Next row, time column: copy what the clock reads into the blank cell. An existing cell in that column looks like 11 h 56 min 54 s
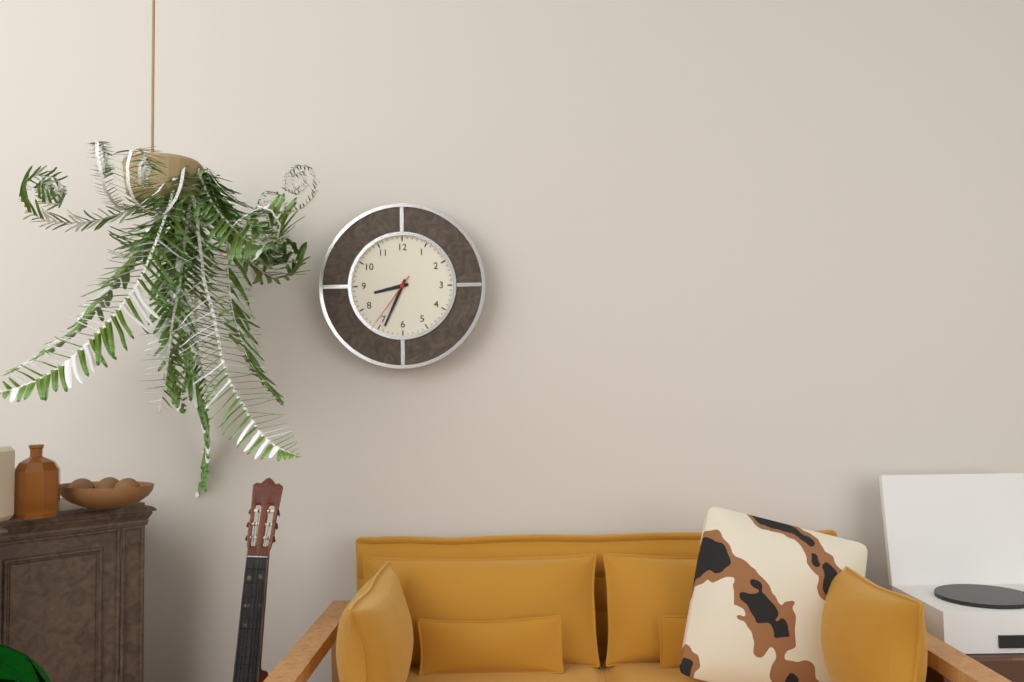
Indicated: 8 h 34 min 36 s
